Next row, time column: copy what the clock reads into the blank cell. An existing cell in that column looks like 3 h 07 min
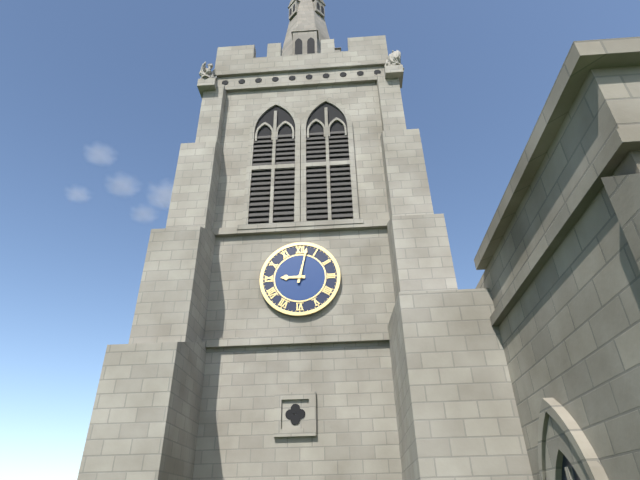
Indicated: 9 h 02 min
